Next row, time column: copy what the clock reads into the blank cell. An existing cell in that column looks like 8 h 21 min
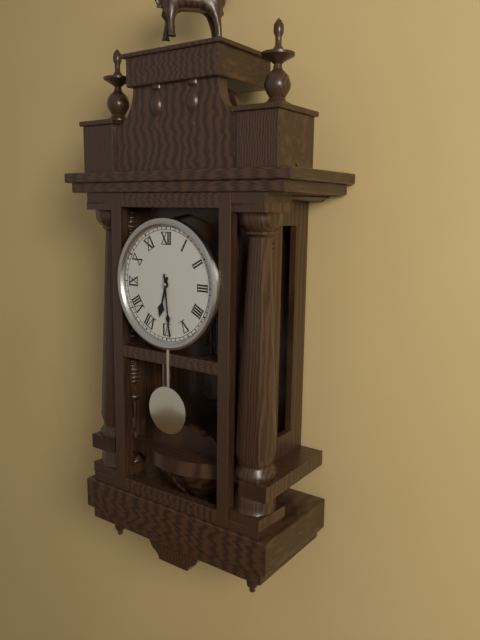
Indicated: 6 h 29 min
